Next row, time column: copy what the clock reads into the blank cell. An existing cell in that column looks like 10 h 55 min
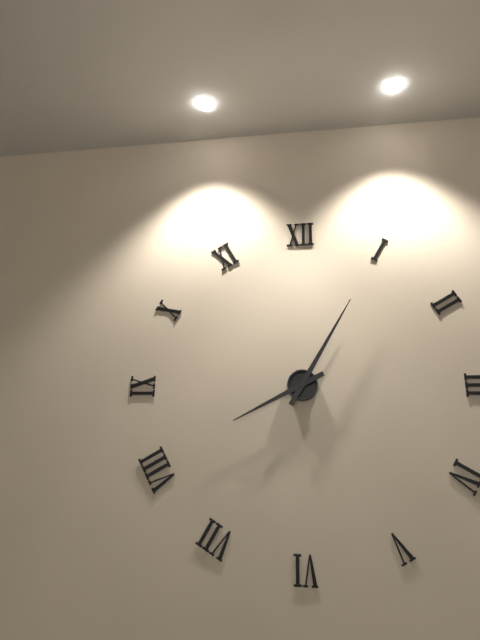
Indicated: 8 h 05 min
